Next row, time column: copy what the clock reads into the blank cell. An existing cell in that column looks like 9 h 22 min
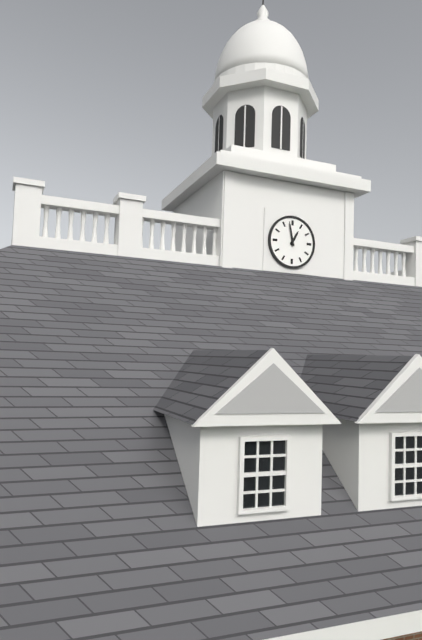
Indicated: 12 h 58 min
